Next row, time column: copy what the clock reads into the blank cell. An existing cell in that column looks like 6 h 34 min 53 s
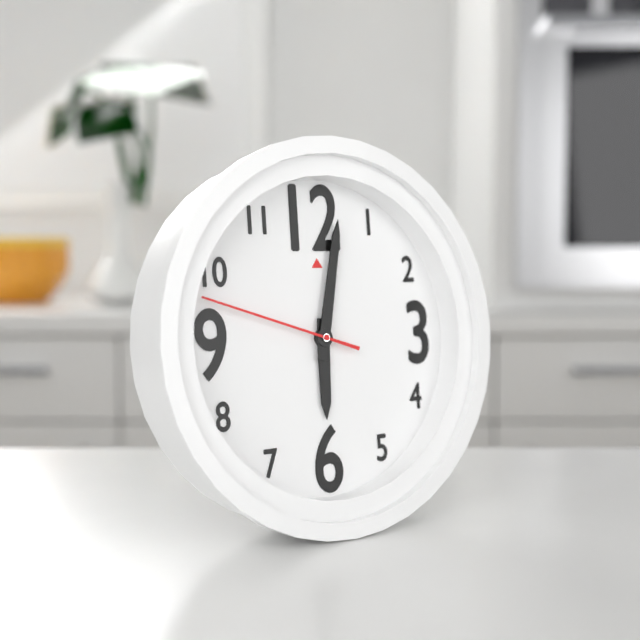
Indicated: 6 h 02 min 48 s
